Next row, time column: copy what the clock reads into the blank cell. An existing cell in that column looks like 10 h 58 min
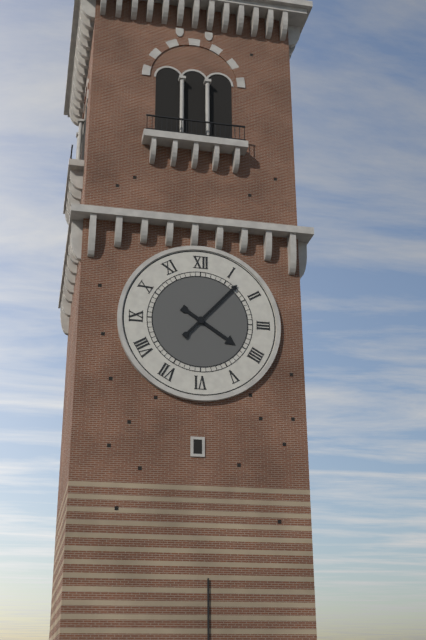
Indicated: 4 h 07 min
